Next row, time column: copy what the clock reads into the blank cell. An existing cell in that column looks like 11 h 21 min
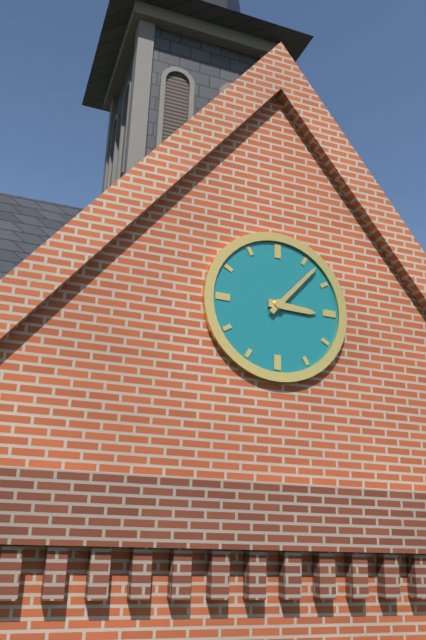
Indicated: 3 h 07 min
